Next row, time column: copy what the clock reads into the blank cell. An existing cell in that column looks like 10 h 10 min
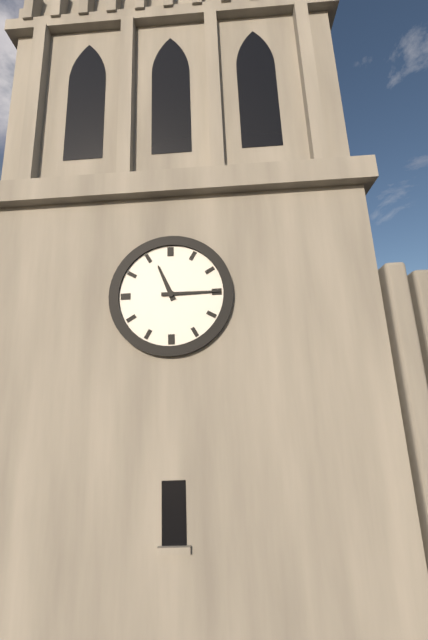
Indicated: 11 h 15 min
